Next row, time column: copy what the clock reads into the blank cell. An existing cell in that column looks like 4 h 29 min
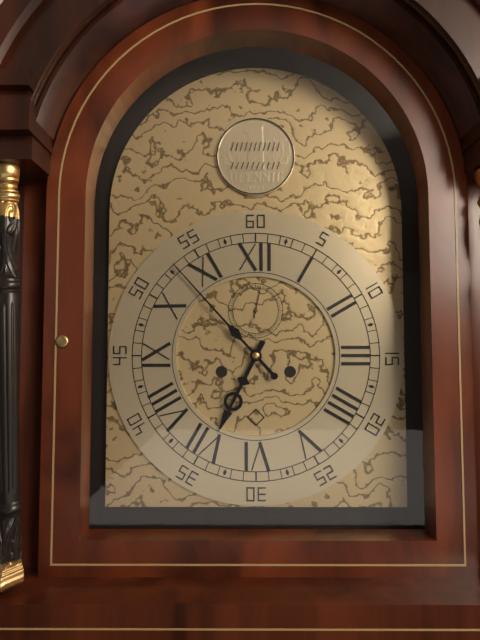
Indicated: 6 h 53 min
